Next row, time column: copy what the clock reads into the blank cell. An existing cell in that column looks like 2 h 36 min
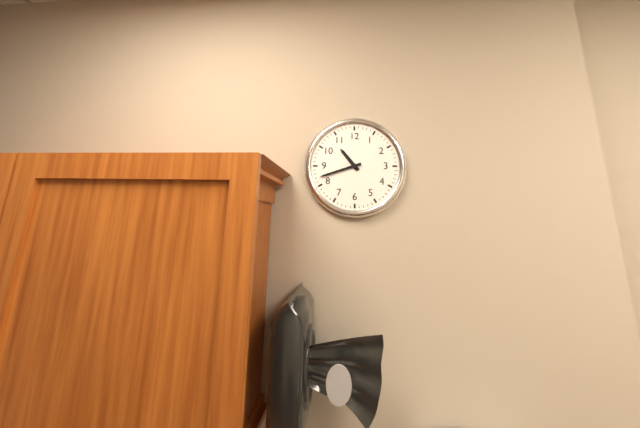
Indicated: 10 h 42 min
